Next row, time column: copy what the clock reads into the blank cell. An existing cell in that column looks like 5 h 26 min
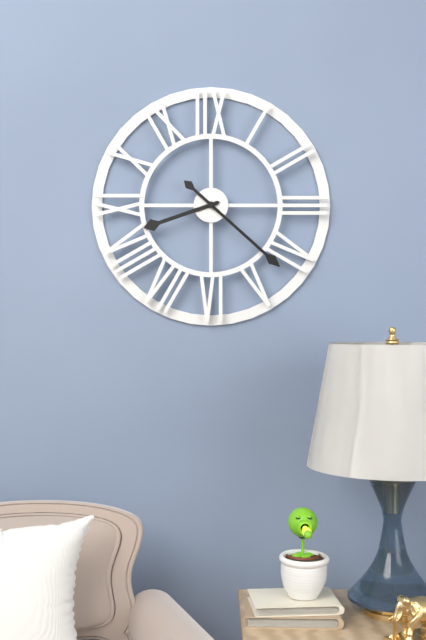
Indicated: 8 h 22 min
